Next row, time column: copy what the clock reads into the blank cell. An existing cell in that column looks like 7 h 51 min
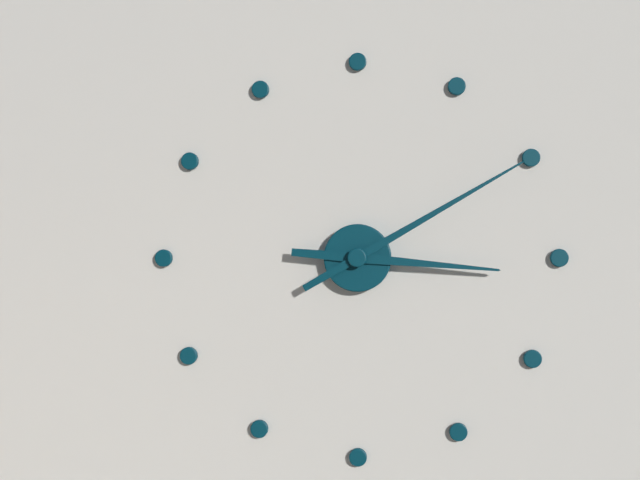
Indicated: 3 h 10 min
